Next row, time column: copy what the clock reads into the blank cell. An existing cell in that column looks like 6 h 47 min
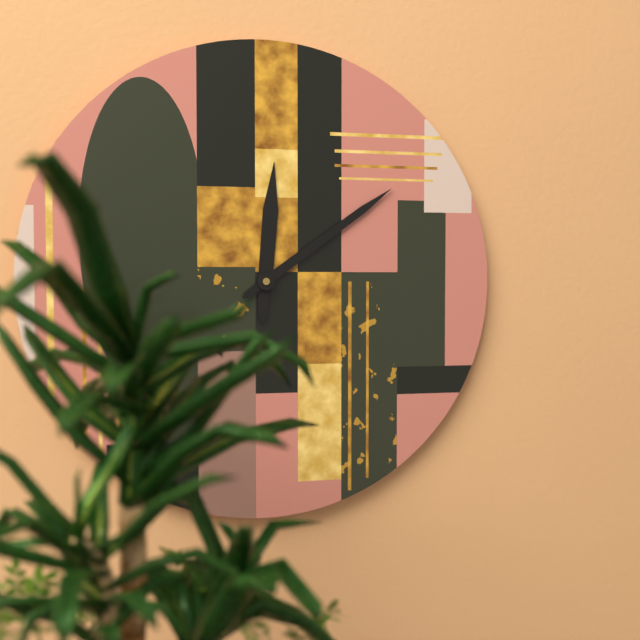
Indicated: 12 h 09 min
